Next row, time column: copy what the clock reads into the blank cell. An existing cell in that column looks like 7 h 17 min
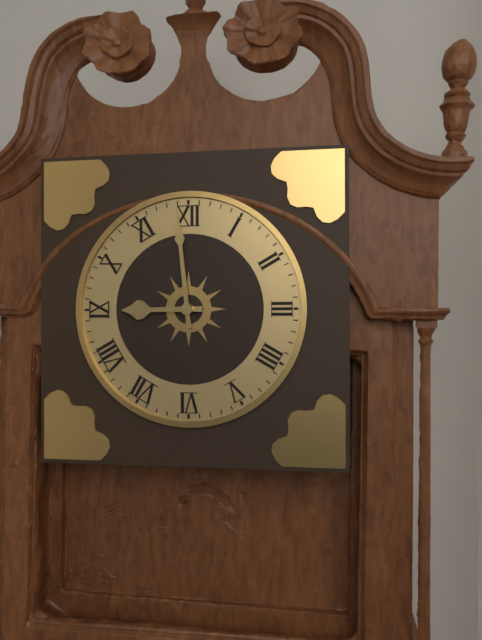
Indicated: 8 h 59 min
